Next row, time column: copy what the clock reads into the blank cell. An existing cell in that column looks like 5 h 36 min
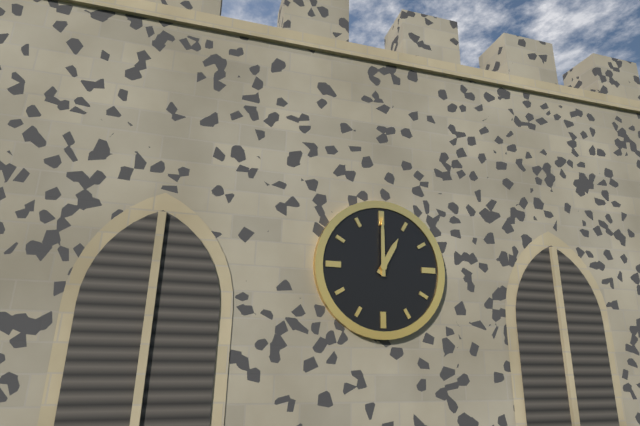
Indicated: 1 h 00 min
